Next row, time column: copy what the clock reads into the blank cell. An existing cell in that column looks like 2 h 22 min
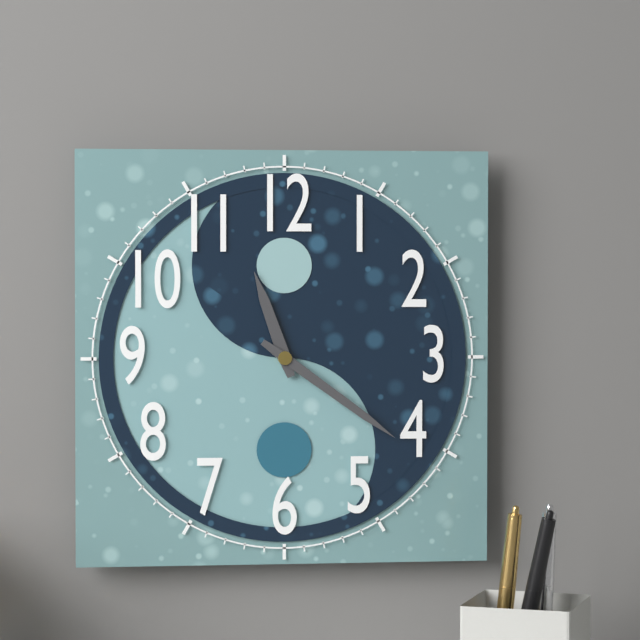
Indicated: 11 h 21 min
